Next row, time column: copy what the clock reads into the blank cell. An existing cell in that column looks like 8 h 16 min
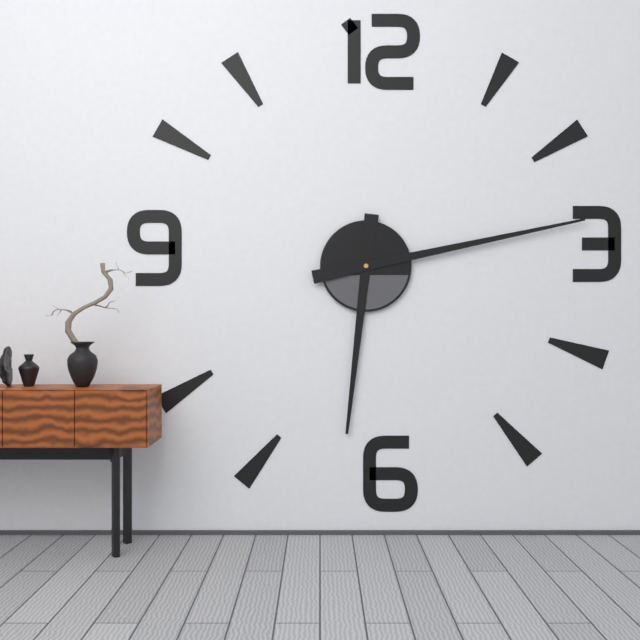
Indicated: 6 h 13 min
